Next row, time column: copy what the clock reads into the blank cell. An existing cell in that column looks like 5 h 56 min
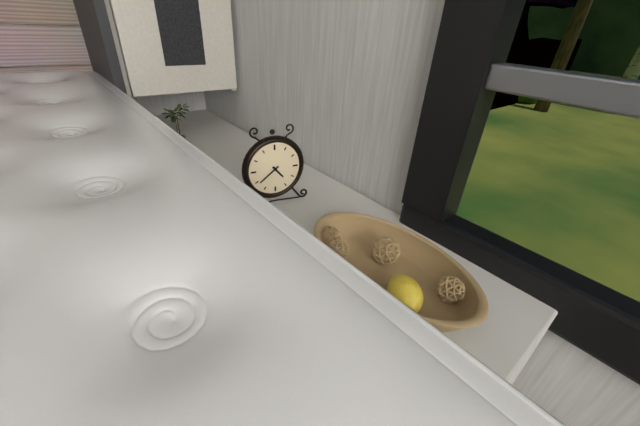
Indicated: 4 h 39 min
